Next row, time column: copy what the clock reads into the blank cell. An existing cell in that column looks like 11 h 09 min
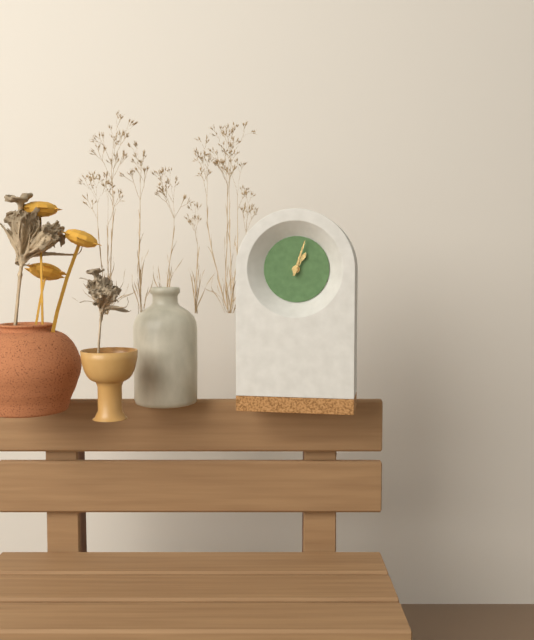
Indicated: 1 h 03 min
